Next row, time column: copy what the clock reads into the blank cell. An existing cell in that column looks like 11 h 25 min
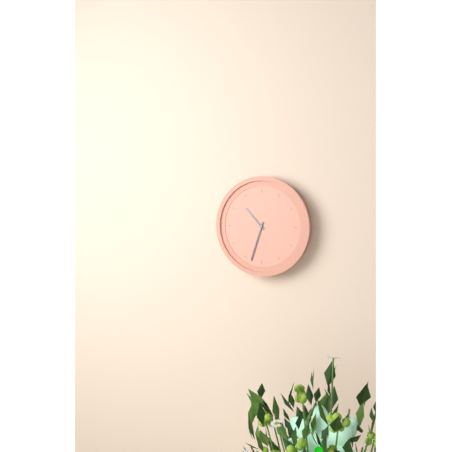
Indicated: 10 h 33 min
